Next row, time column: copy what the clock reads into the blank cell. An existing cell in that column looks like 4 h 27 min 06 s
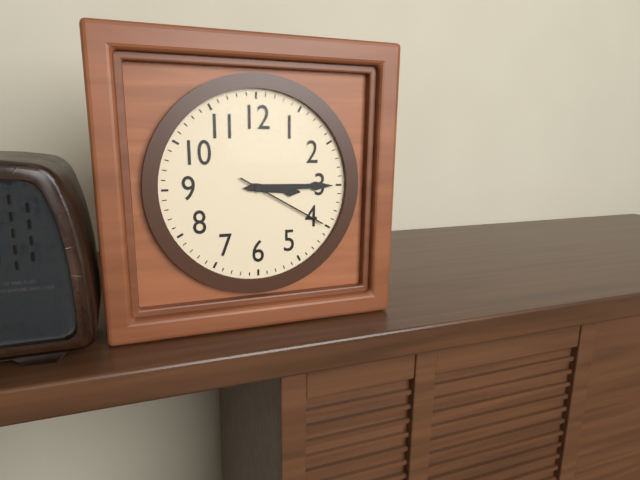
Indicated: 3 h 15 min 20 s
